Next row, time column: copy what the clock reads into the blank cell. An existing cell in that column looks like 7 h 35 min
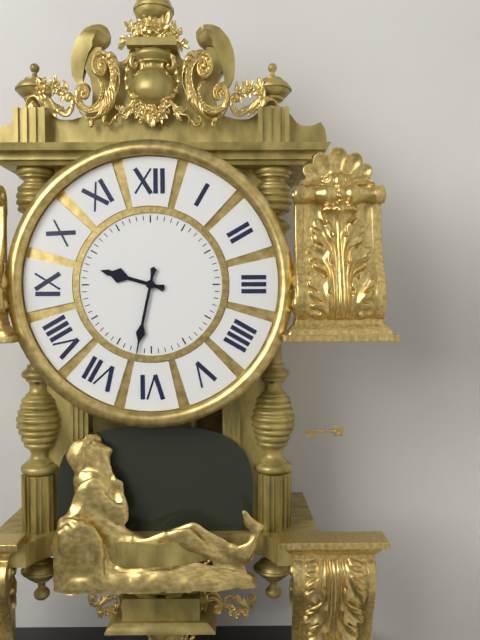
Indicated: 9 h 32 min
